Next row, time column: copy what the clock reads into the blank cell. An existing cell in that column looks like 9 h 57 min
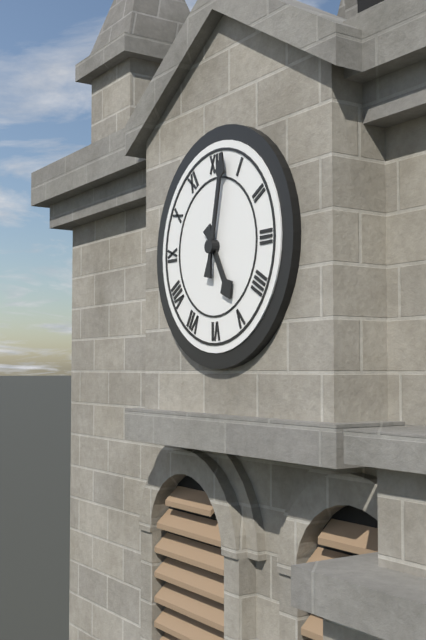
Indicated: 5 h 02 min
